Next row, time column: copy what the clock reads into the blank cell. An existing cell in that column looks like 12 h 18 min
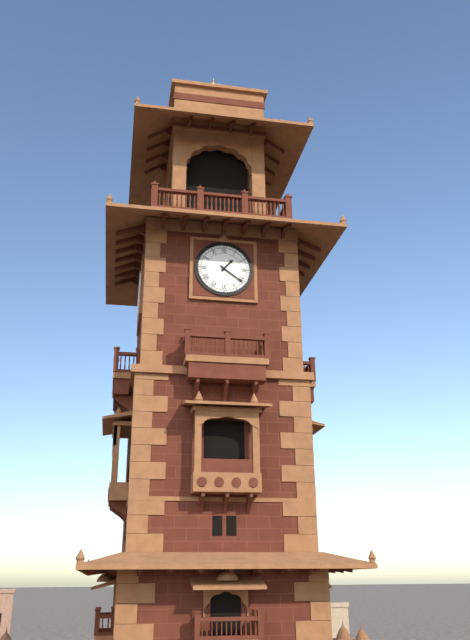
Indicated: 1 h 21 min
